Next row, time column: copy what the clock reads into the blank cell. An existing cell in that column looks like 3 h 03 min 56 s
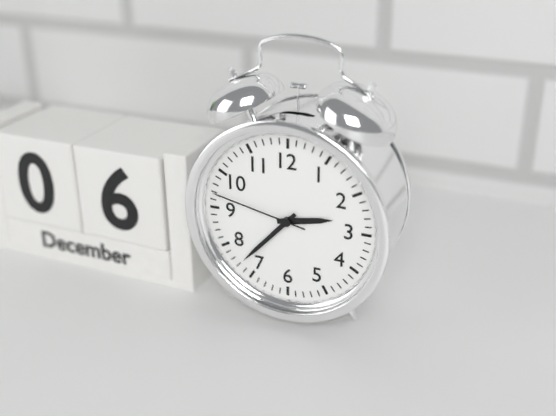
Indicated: 2 h 37 min 47 s
